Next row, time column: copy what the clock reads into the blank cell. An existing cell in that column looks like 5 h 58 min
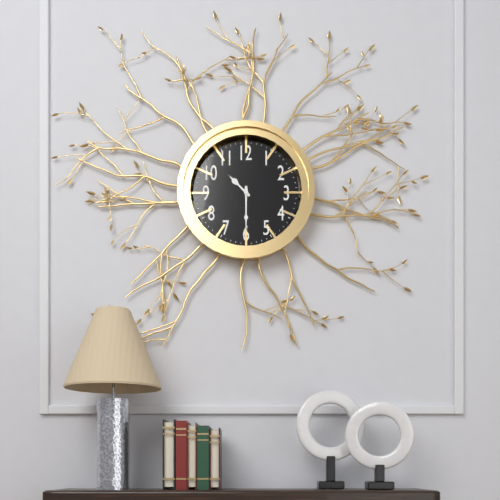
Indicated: 10 h 30 min
